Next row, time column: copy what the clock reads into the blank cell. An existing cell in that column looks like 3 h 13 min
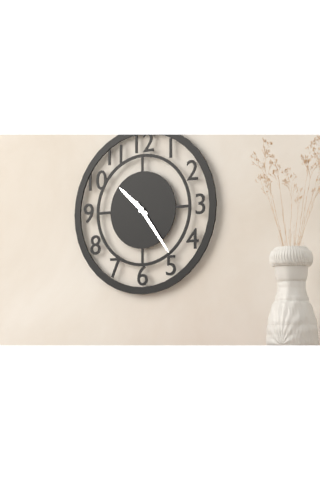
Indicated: 10 h 24 min
